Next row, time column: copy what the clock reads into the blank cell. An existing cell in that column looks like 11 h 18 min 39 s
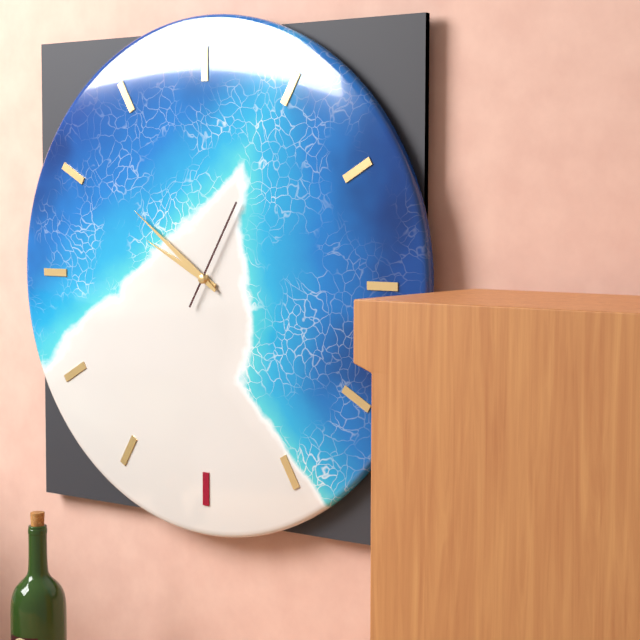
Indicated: 9 h 51 min 05 s
